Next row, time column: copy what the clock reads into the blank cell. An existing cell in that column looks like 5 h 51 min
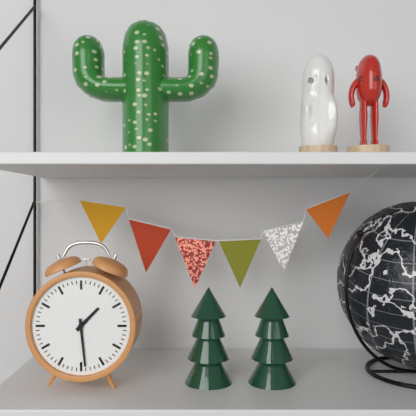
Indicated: 1 h 29 min
